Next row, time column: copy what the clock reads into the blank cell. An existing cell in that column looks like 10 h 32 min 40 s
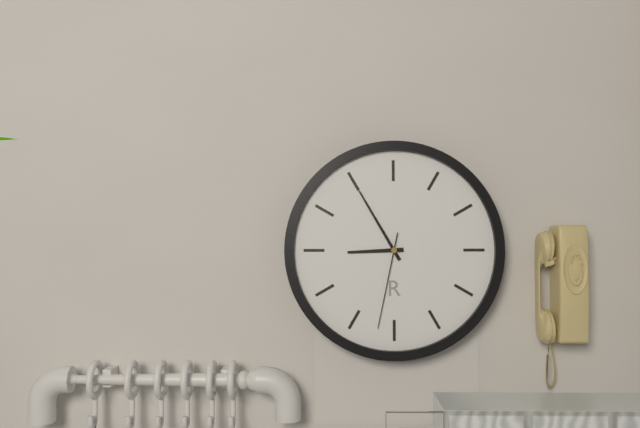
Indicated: 8 h 55 min 32 s
